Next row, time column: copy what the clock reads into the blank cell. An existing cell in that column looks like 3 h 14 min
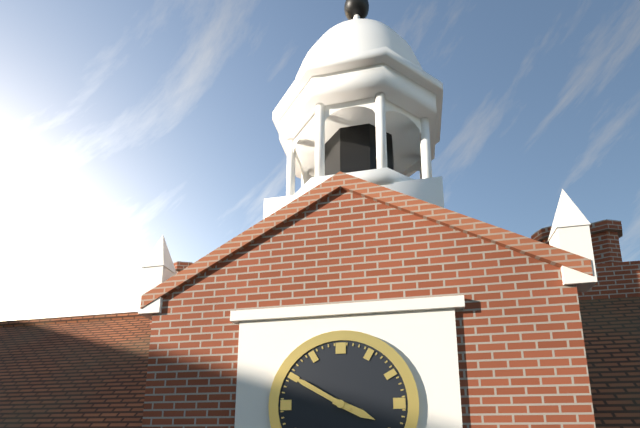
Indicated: 3 h 50 min
